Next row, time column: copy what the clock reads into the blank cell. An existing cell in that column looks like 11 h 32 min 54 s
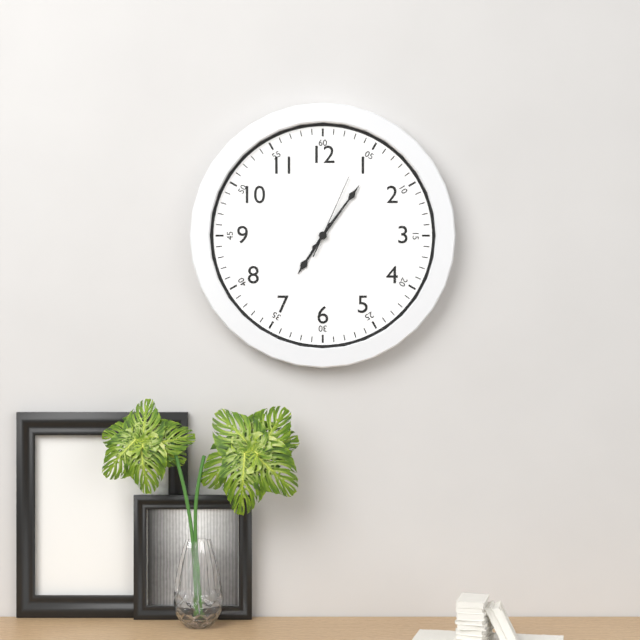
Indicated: 7 h 06 min 04 s
